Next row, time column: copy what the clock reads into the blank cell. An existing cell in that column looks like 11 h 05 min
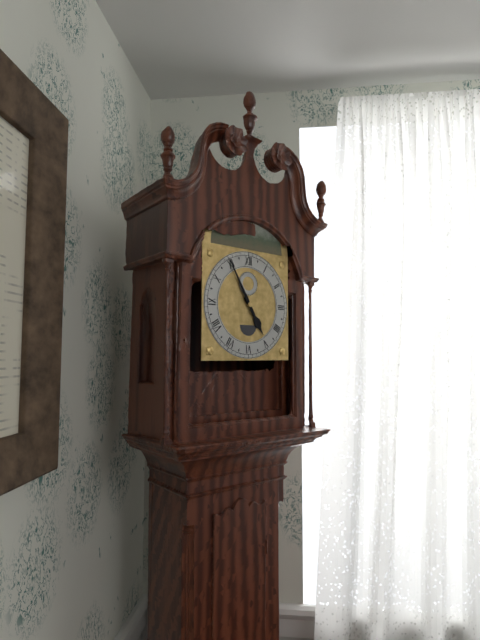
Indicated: 4 h 55 min
